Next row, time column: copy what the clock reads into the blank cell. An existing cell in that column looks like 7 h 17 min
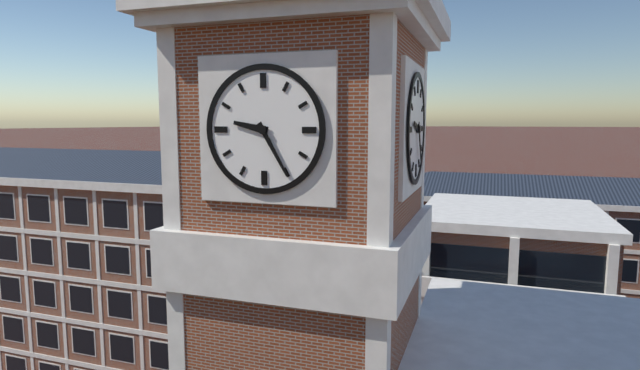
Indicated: 9 h 25 min
